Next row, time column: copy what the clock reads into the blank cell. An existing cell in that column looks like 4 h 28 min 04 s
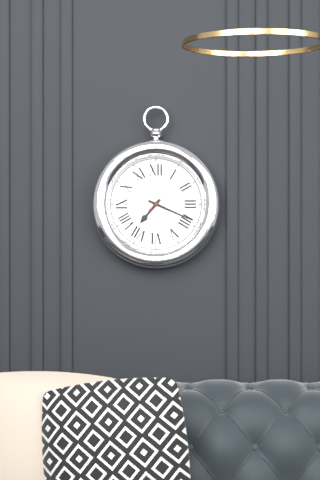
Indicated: 7 h 19 min 08 s
